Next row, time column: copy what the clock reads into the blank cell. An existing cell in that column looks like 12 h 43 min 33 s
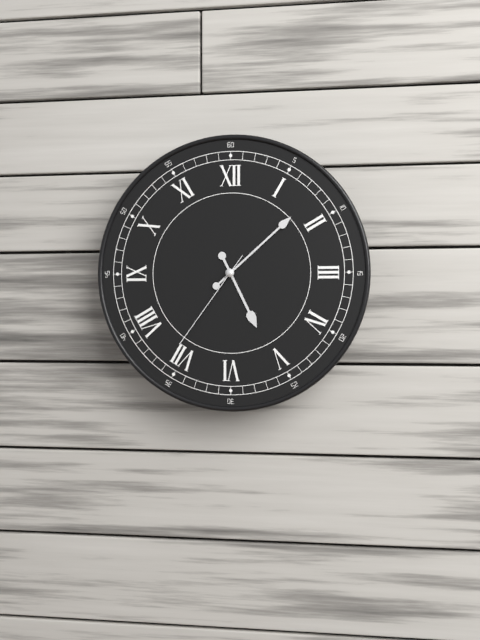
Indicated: 5 h 08 min 36 s
